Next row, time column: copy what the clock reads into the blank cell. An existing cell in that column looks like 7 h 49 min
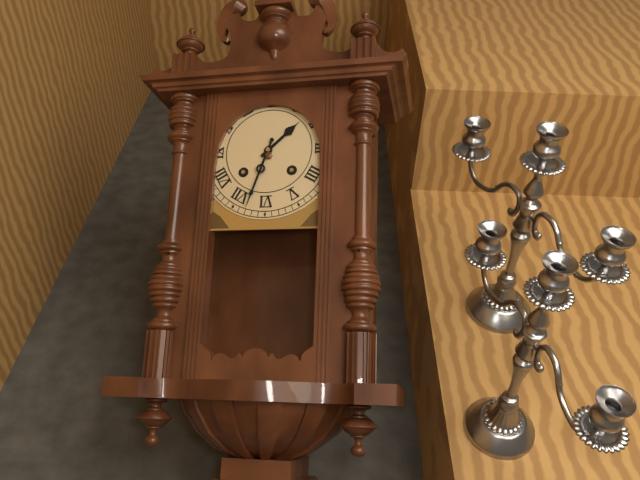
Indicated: 1 h 33 min
